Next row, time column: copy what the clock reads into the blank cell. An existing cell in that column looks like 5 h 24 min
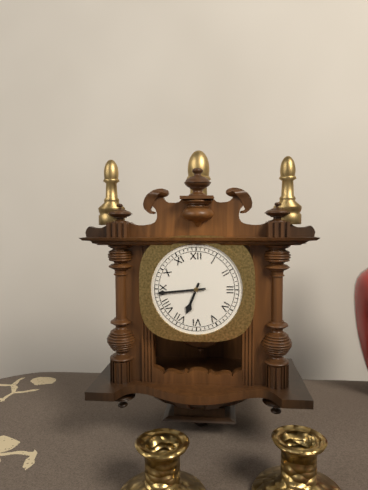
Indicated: 6 h 44 min
